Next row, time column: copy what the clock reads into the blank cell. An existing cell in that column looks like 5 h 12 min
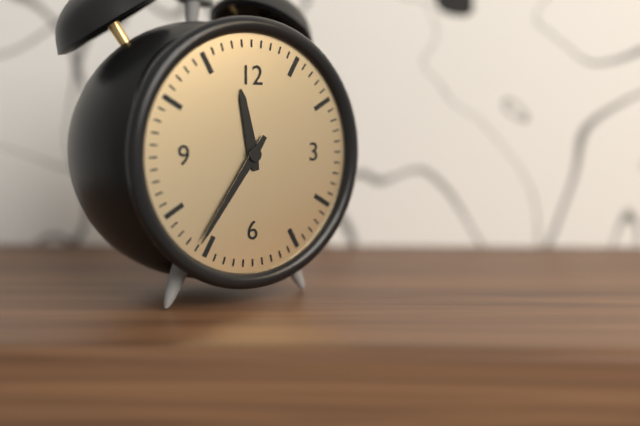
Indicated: 11 h 36 min
